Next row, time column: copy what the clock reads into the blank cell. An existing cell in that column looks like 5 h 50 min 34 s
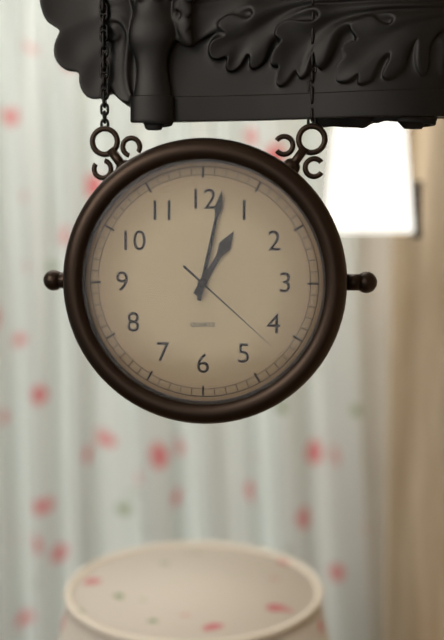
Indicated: 1 h 02 min 22 s
